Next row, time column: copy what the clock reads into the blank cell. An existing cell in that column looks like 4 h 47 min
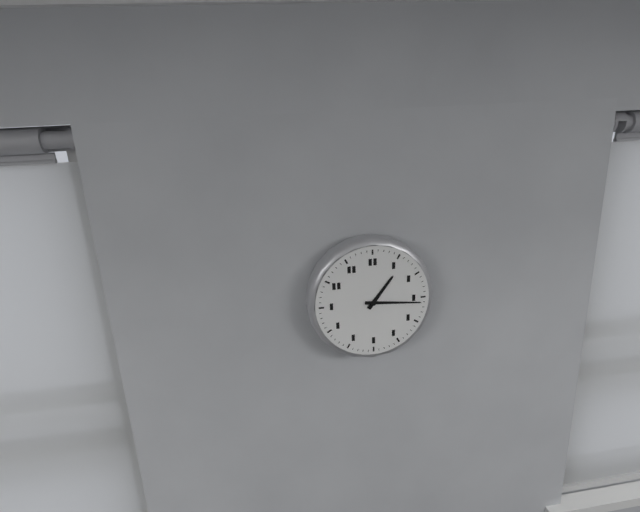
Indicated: 1 h 16 min
